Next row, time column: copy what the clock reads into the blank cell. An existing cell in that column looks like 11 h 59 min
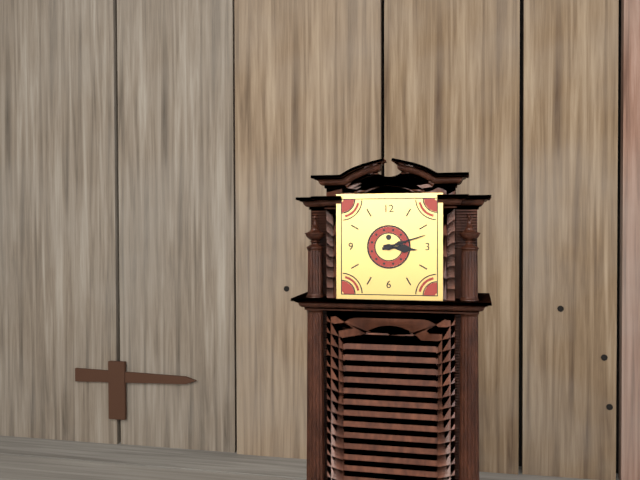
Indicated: 3 h 12 min
